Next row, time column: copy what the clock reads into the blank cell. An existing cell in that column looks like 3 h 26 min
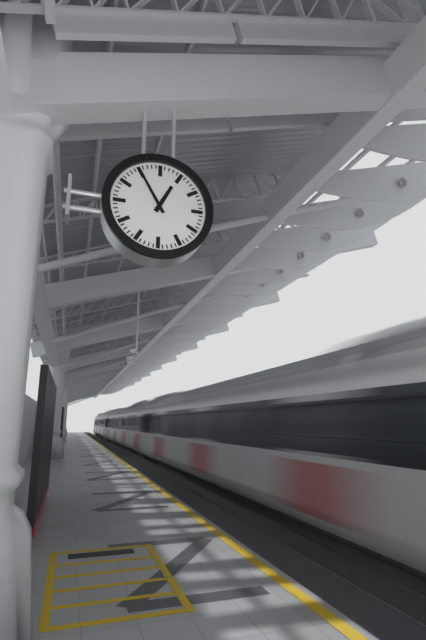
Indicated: 12 h 55 min
